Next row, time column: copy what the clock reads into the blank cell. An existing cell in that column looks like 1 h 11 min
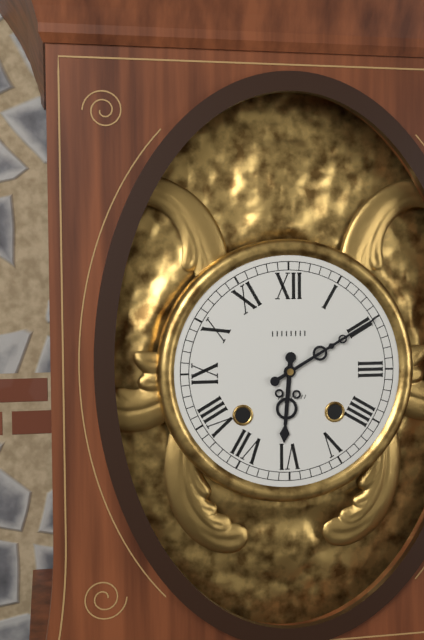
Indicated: 6 h 10 min
